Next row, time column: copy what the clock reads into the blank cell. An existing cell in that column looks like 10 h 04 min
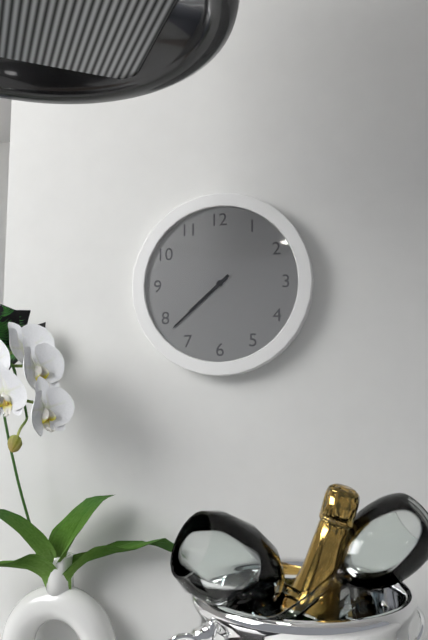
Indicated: 7 h 38 min
